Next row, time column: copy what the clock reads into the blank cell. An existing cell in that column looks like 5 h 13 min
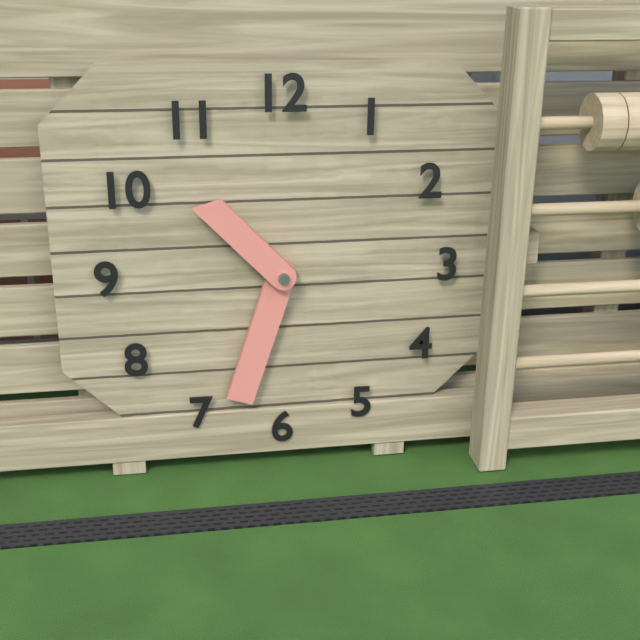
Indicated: 10 h 33 min
